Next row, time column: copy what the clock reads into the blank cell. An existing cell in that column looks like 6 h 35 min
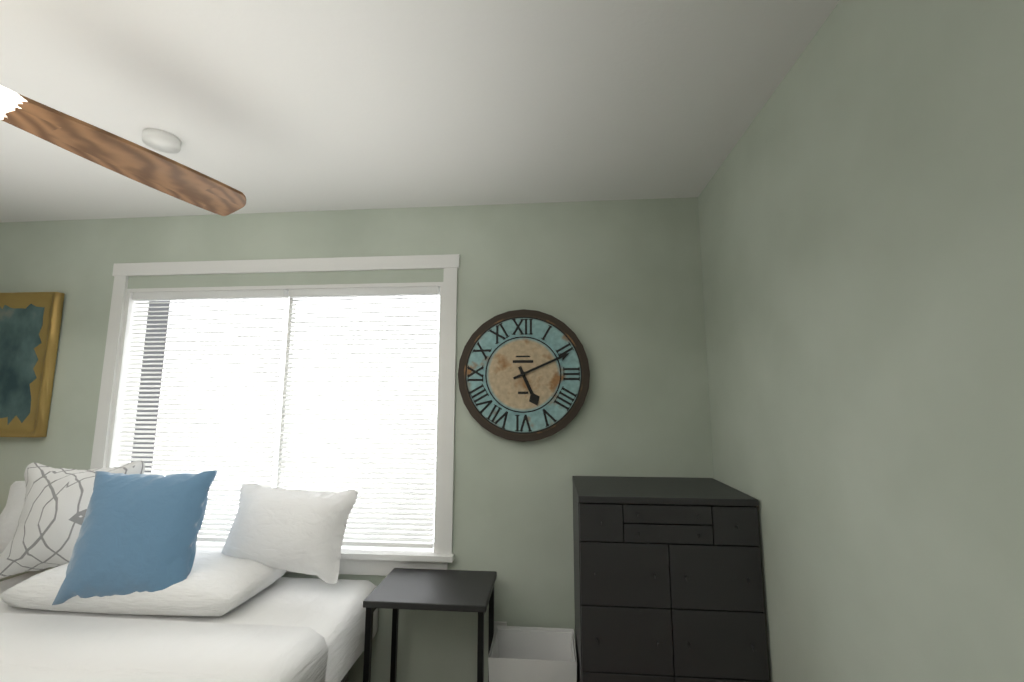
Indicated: 5 h 11 min
